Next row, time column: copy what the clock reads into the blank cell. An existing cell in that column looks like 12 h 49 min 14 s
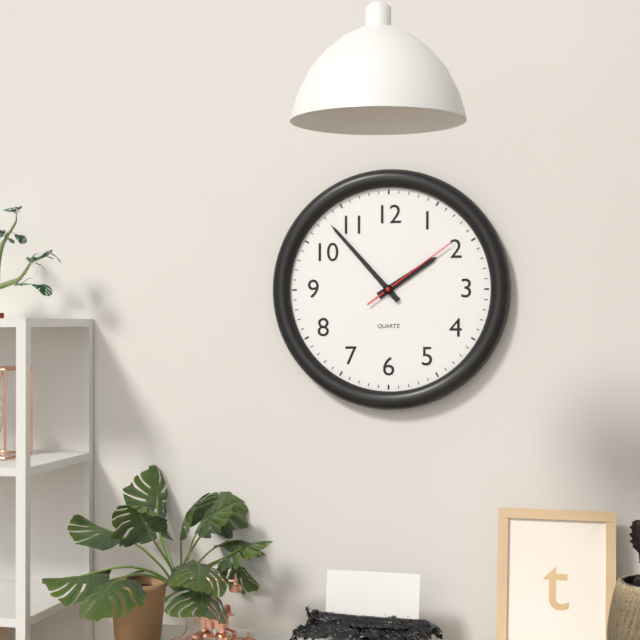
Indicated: 1 h 53 min 09 s
